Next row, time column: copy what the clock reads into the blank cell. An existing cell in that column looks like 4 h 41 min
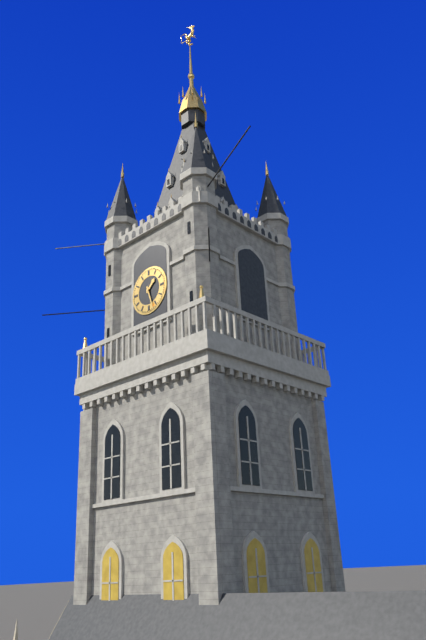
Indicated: 1 h 27 min
